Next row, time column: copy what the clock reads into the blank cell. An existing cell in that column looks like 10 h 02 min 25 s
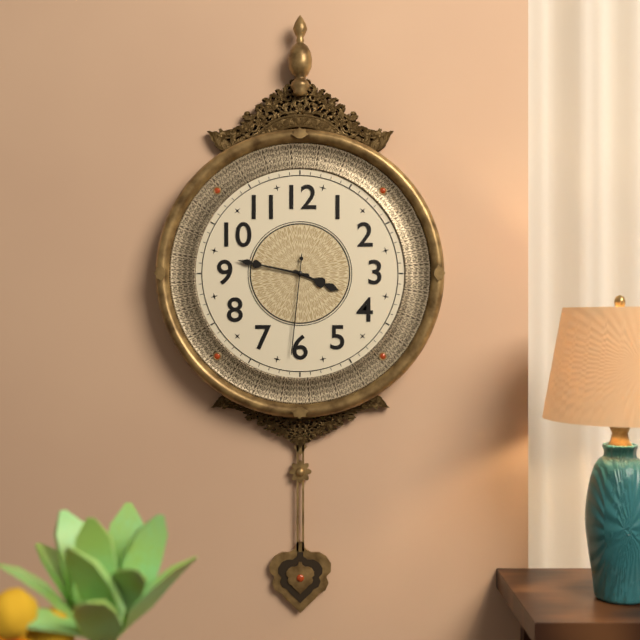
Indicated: 3 h 47 min 31 s
